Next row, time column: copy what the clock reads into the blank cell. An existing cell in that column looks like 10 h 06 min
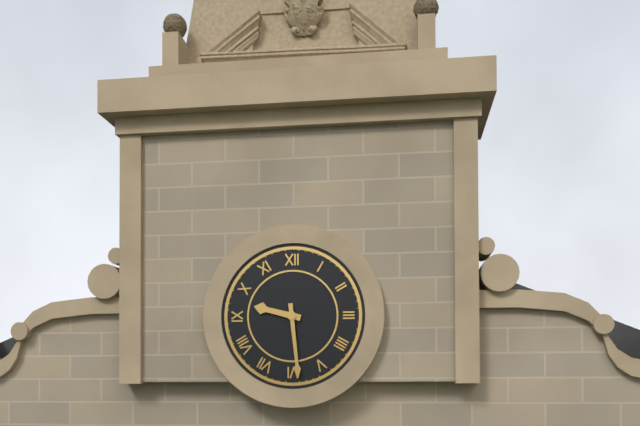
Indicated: 9 h 29 min
